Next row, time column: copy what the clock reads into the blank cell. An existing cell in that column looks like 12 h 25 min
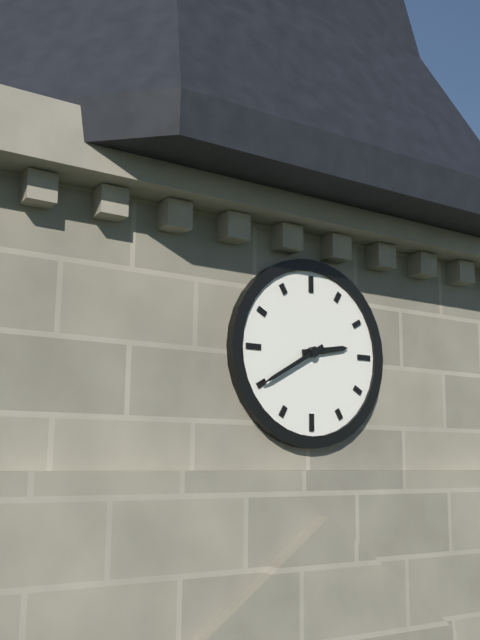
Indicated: 2 h 40 min
